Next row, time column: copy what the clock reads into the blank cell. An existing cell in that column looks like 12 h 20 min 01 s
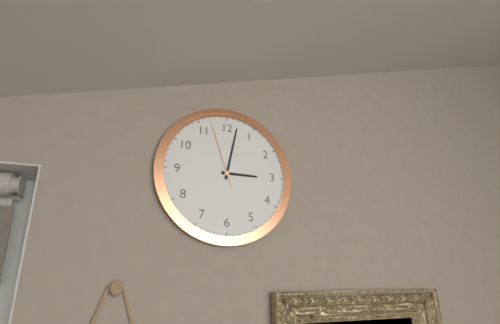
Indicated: 3 h 02 min 57 s
